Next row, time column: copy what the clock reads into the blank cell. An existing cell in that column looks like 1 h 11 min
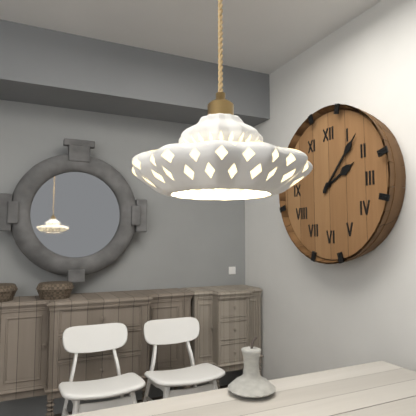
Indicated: 2 h 07 min
